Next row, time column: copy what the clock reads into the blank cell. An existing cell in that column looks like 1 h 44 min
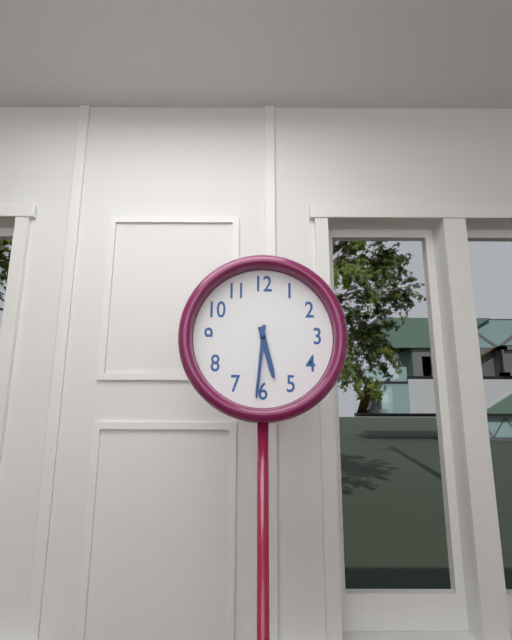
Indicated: 5 h 31 min
